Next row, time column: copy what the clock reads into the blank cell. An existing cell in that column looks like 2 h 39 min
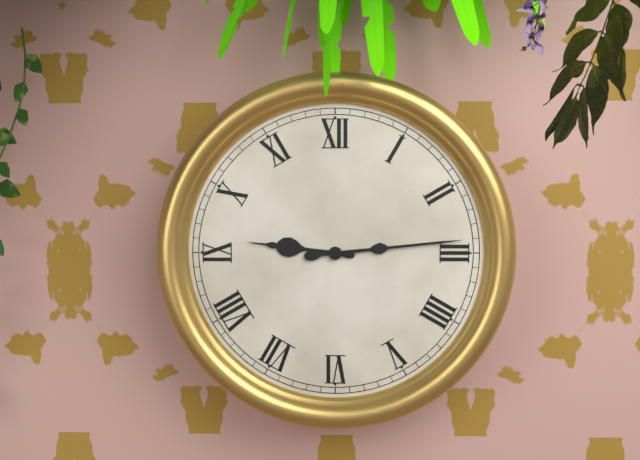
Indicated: 9 h 14 min
